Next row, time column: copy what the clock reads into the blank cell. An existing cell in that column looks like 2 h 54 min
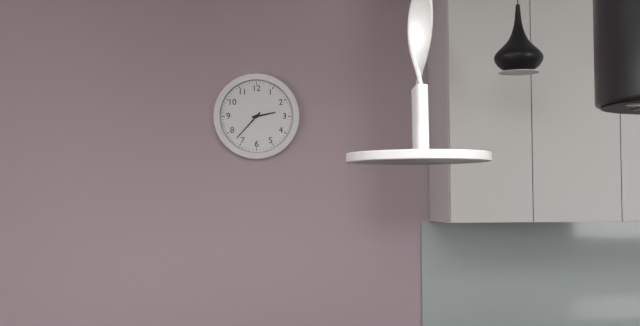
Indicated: 2 h 37 min
